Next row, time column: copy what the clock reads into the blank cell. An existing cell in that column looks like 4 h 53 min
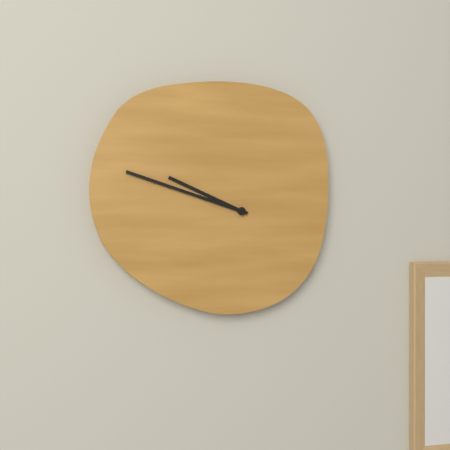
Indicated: 9 h 48 min
